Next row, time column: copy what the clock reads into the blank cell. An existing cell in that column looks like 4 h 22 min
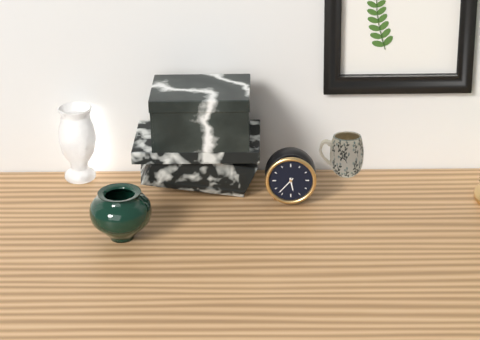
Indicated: 5 h 37 min
